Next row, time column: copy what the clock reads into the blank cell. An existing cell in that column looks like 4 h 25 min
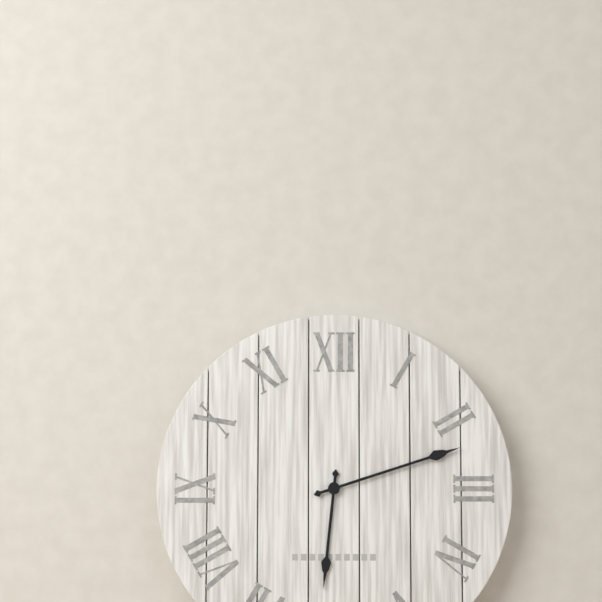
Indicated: 6 h 12 min
